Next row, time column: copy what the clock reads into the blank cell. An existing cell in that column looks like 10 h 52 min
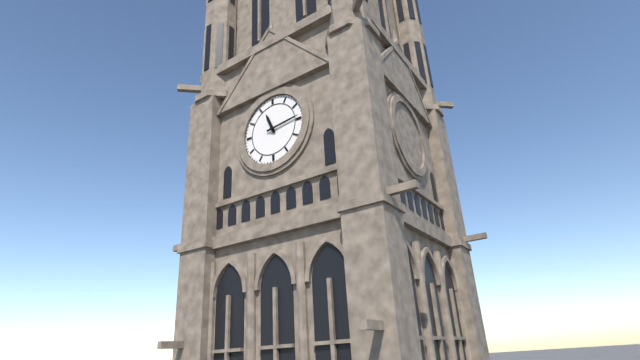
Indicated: 11 h 14 min
